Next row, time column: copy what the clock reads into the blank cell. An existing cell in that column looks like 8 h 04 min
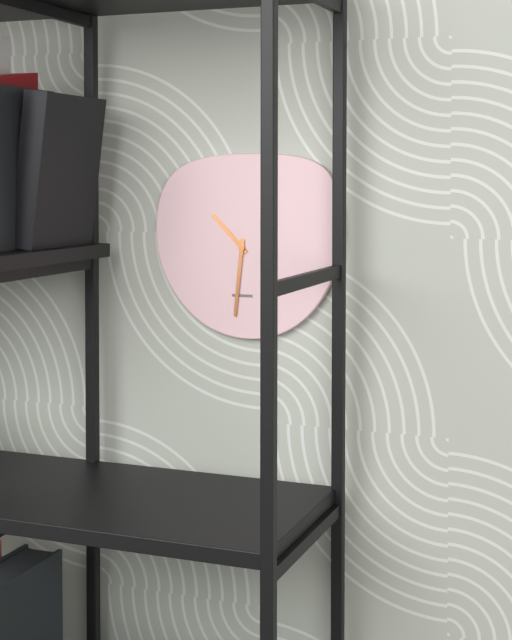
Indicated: 10 h 31 min
